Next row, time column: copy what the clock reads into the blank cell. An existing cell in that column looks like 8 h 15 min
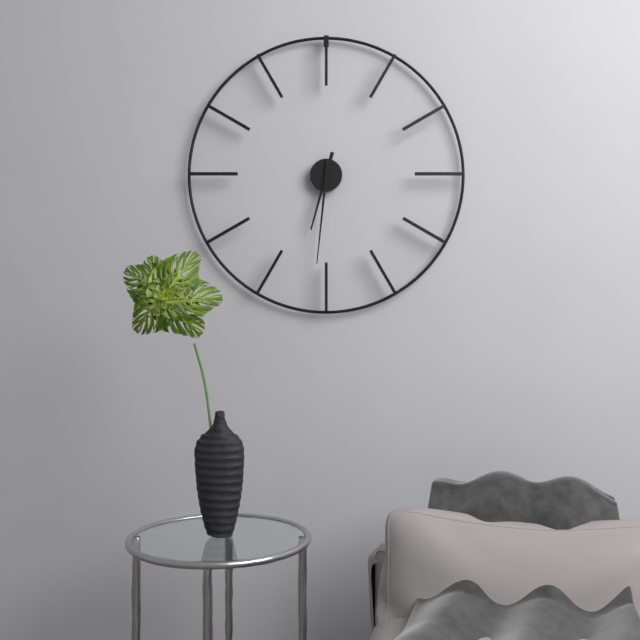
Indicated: 6 h 31 min
